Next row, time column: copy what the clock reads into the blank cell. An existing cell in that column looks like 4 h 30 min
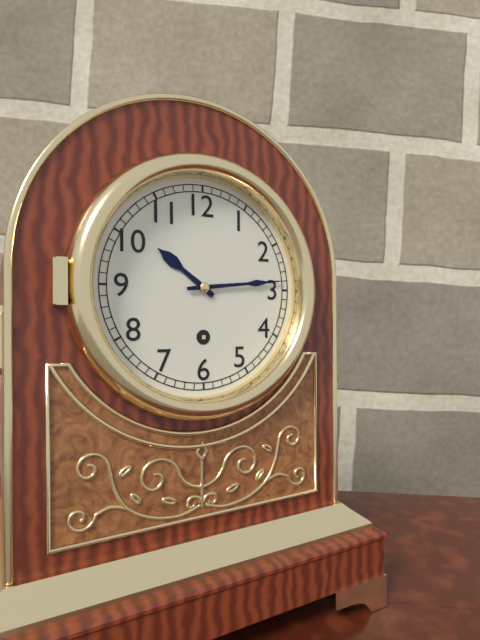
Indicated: 10 h 14 min
